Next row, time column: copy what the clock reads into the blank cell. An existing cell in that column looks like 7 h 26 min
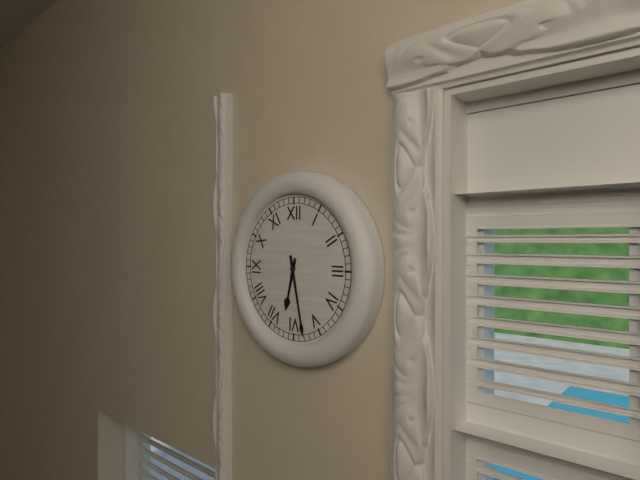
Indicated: 6 h 28 min
